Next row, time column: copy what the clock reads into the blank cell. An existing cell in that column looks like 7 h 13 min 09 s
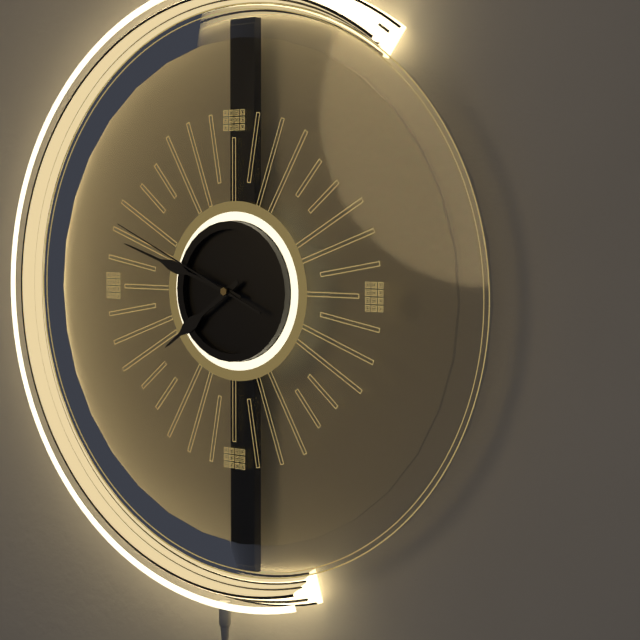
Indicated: 7 h 48 min 49 s
